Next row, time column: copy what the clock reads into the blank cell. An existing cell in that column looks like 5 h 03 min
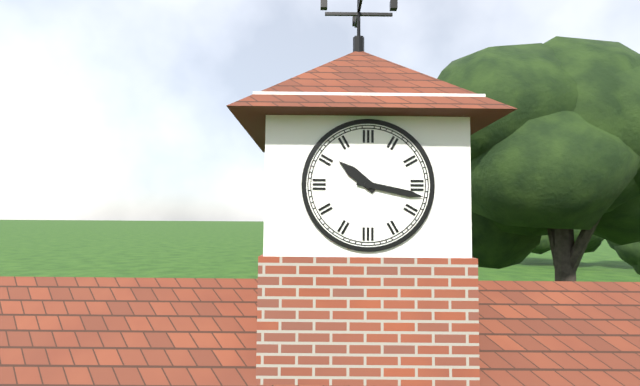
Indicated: 10 h 17 min
